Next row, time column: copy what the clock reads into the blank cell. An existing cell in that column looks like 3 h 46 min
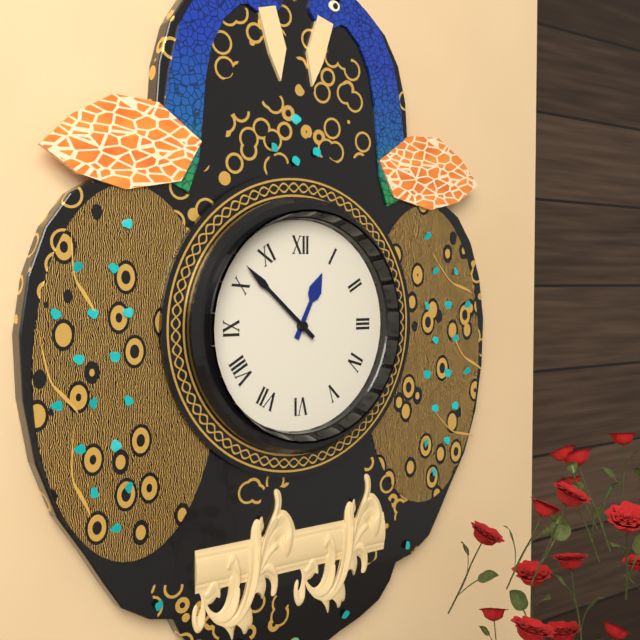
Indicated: 12 h 52 min
